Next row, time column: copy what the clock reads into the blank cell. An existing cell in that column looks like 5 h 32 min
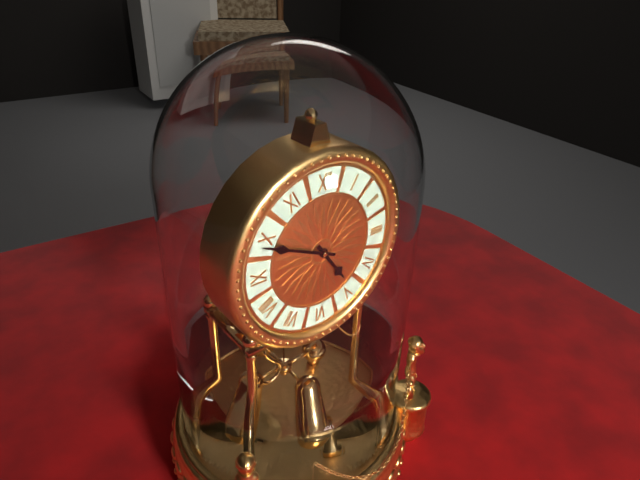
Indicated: 4 h 49 min
